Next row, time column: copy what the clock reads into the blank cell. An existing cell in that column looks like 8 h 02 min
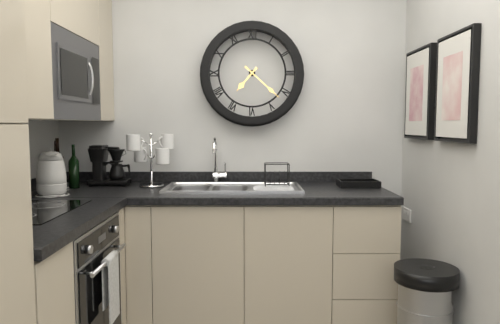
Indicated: 7 h 22 min
